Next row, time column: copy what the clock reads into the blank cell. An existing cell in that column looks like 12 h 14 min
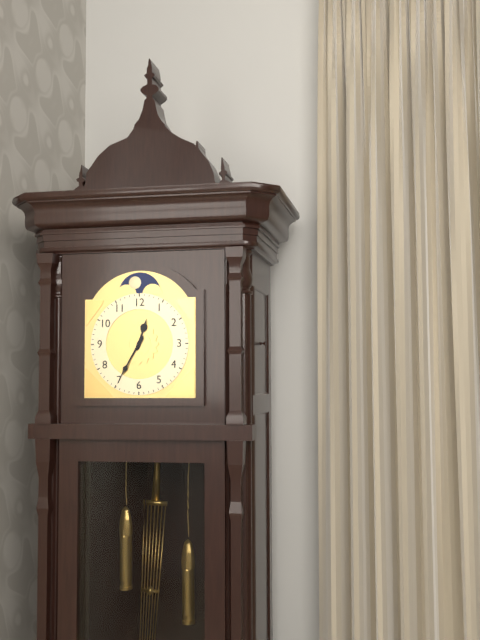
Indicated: 12 h 35 min
